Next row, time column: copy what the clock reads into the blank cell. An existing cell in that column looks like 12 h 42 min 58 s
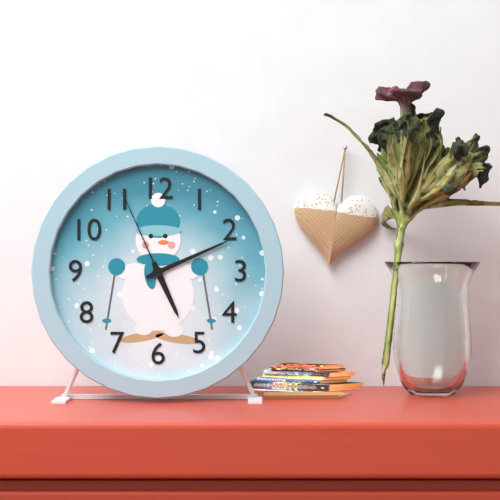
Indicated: 5 h 11 min 56 s
